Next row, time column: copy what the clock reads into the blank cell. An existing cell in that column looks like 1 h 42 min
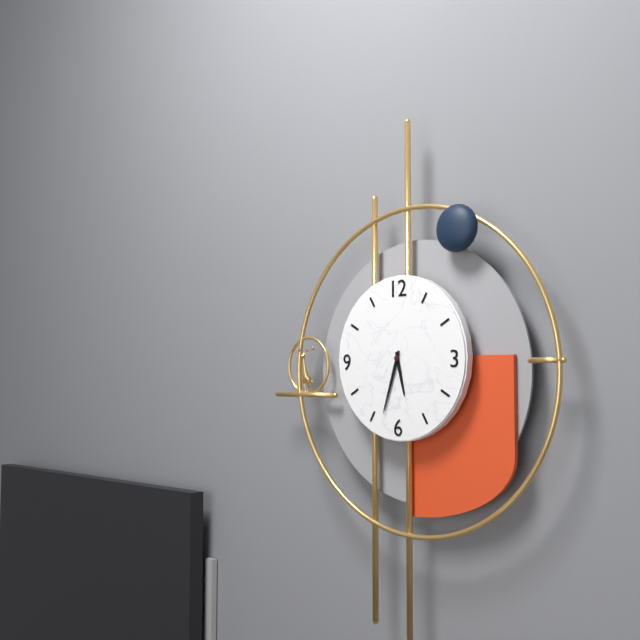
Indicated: 5 h 33 min
